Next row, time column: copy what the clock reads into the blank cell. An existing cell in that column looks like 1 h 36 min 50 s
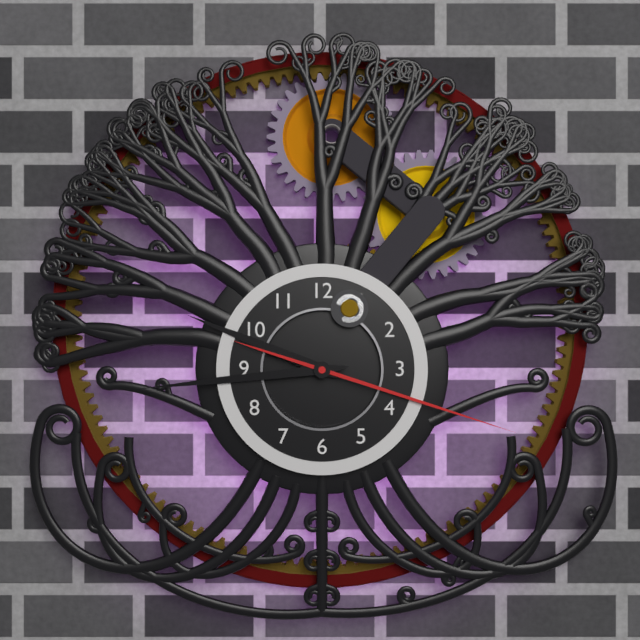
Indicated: 9 h 44 min 18 s
